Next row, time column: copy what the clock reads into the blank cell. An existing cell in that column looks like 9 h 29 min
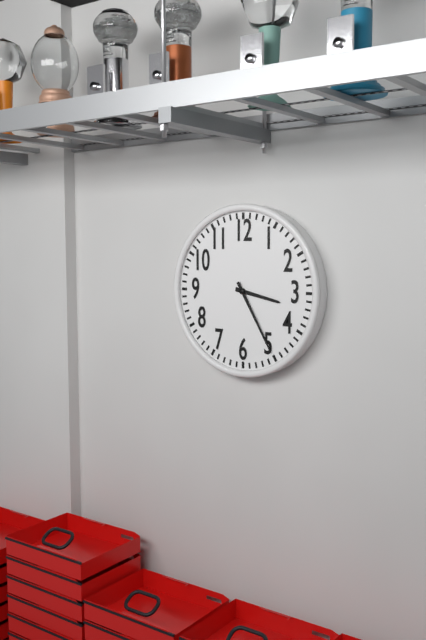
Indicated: 3 h 25 min
